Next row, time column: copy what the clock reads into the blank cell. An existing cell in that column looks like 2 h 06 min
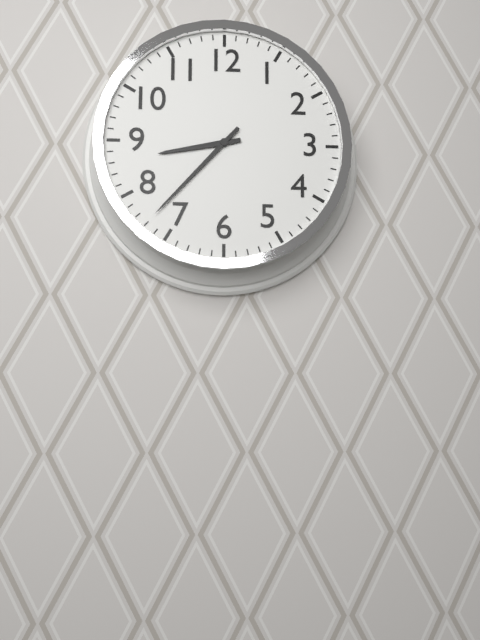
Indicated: 8 h 37 min
